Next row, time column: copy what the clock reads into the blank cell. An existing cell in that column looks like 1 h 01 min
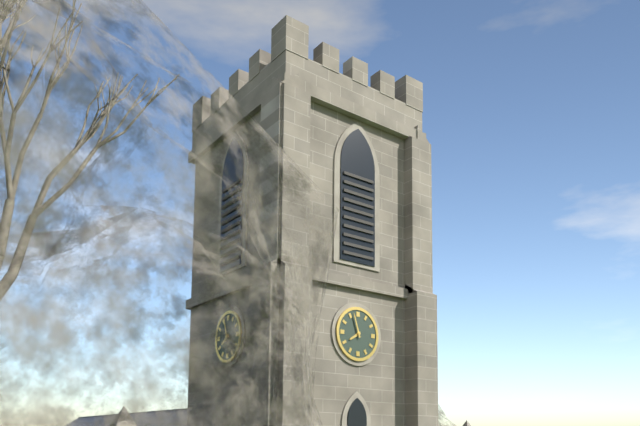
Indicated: 7 h 57 min
